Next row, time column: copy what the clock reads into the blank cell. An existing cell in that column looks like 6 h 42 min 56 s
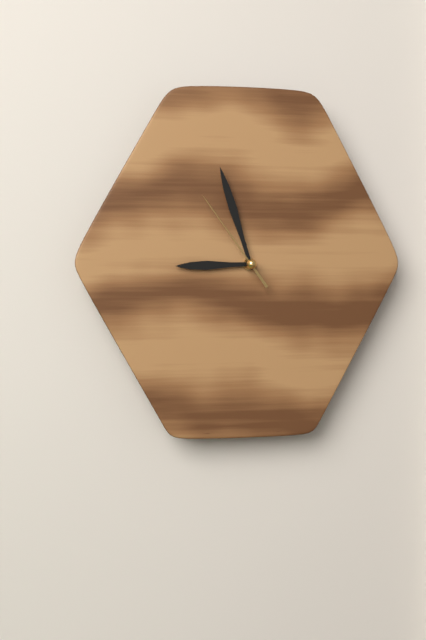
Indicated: 8 h 57 min 54 s
